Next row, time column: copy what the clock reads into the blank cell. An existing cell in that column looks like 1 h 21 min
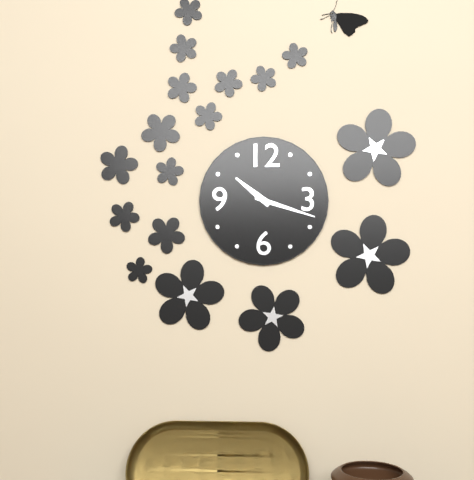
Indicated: 10 h 18 min
